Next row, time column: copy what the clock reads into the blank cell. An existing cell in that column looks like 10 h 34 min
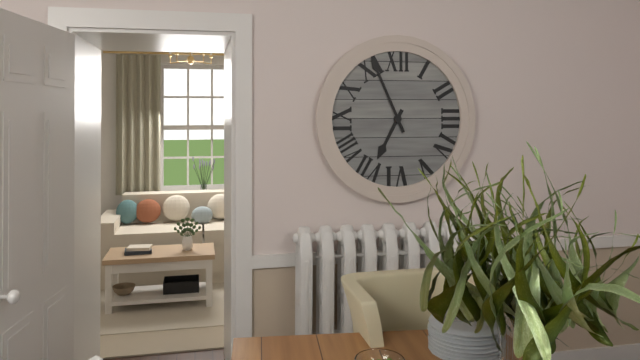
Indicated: 6 h 56 min
